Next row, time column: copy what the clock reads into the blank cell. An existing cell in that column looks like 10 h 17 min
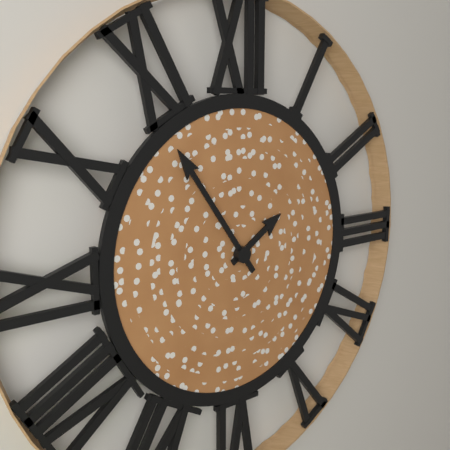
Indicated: 1 h 54 min
